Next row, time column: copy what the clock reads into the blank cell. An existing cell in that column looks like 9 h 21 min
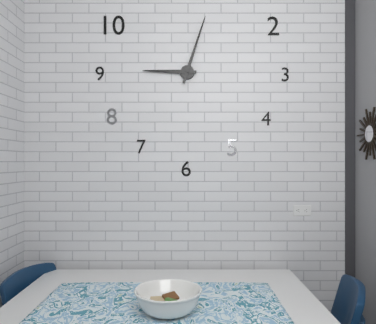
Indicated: 9 h 03 min
